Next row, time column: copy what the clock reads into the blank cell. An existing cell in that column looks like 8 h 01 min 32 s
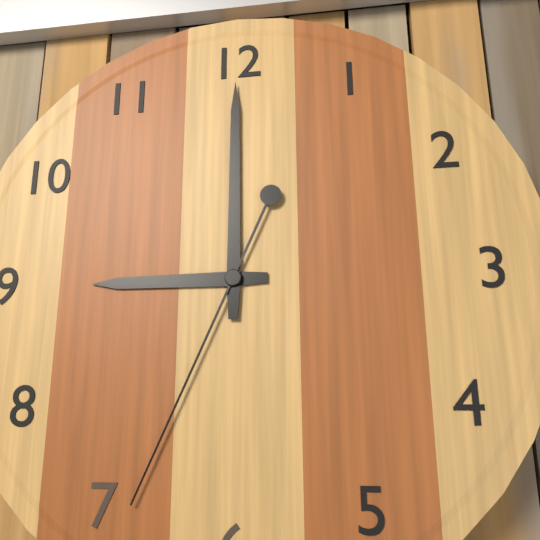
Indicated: 9 h 00 min 34 s
